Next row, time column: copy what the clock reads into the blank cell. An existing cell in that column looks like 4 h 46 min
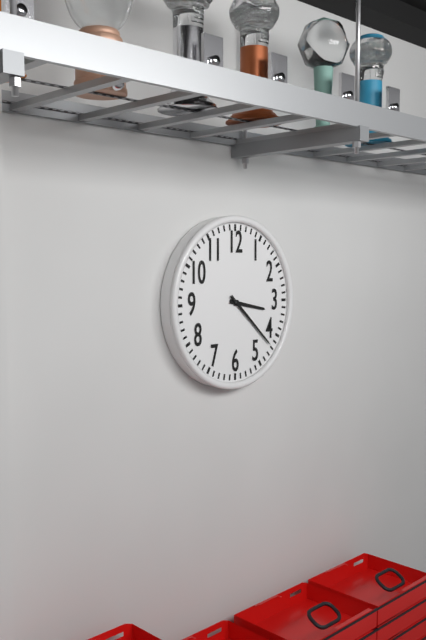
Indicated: 3 h 22 min
